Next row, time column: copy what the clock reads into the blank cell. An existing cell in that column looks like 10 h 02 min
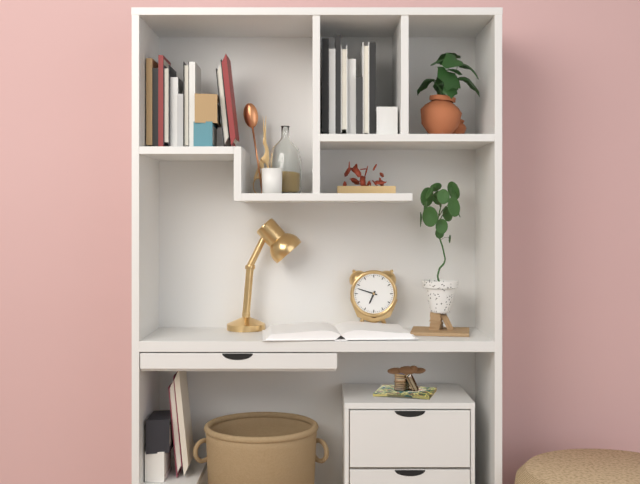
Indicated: 6 h 48 min
